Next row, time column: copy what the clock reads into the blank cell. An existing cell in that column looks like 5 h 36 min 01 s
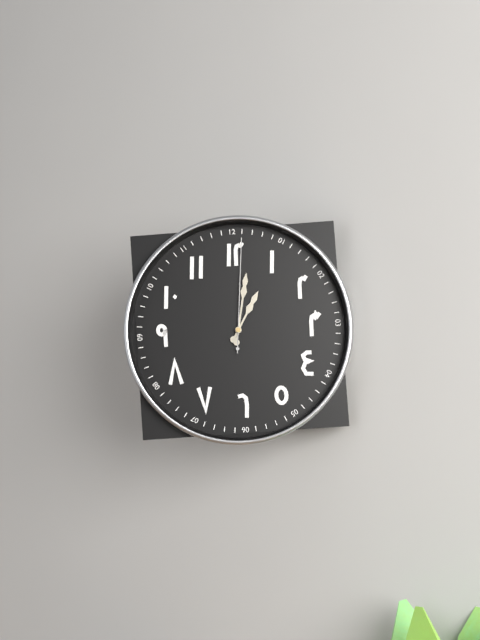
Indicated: 1 h 02 min 01 s
